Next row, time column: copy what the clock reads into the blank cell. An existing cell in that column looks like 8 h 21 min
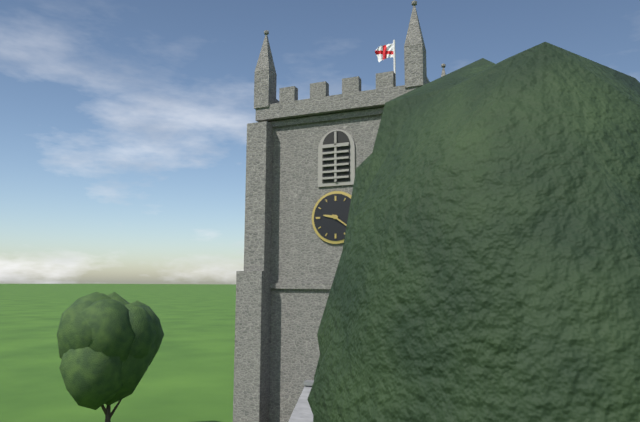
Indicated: 9 h 21 min
